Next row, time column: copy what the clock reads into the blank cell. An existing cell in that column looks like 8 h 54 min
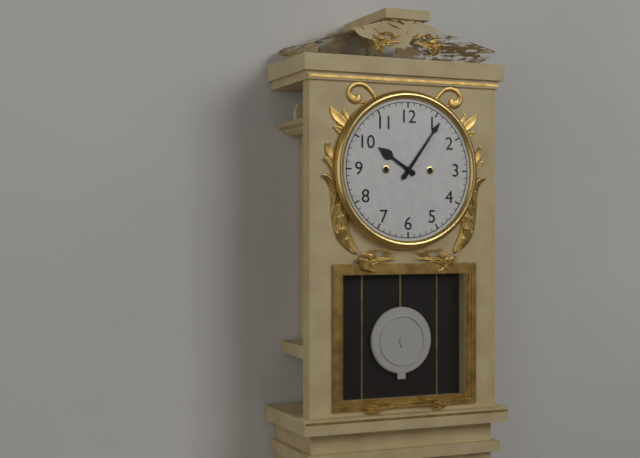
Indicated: 10 h 06 min
